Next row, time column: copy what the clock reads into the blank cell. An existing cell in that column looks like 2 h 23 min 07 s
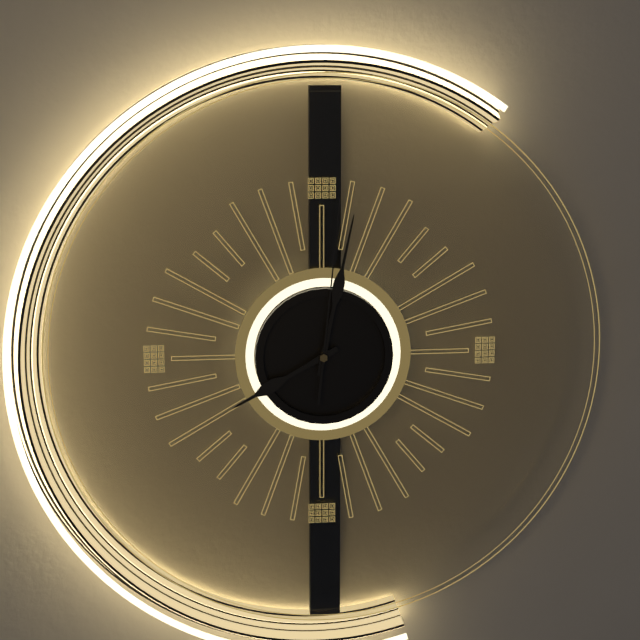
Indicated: 8 h 02 min 01 s
